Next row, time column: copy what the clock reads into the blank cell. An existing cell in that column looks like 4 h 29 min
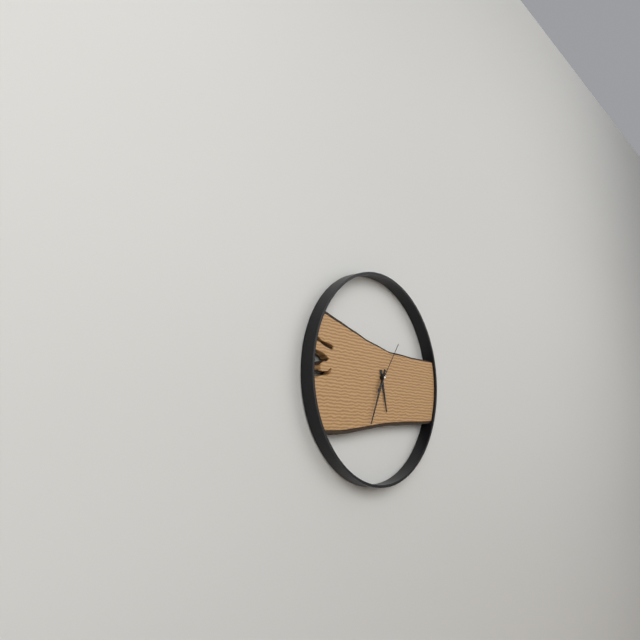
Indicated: 5 h 34 min
